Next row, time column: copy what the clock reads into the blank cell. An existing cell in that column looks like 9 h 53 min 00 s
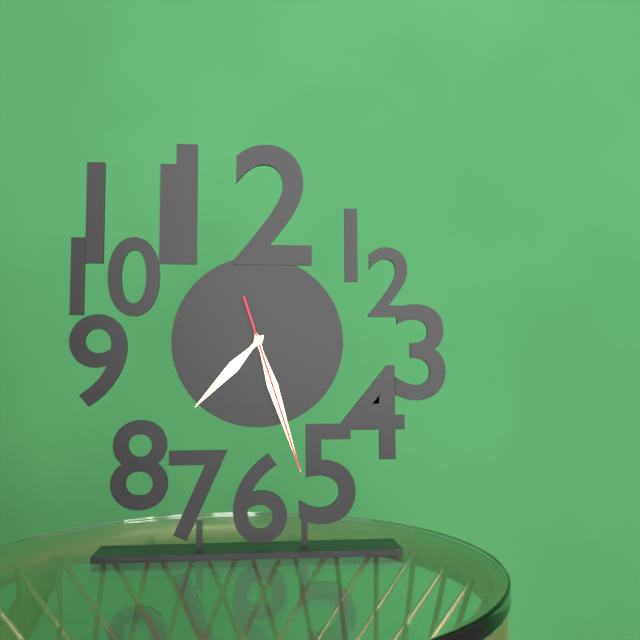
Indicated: 7 h 27 min 27 s
